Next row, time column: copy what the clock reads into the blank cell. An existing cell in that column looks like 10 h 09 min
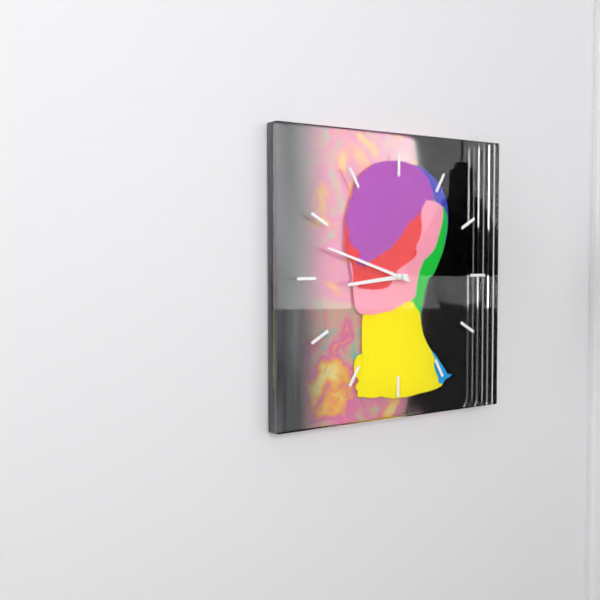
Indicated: 8 h 48 min
